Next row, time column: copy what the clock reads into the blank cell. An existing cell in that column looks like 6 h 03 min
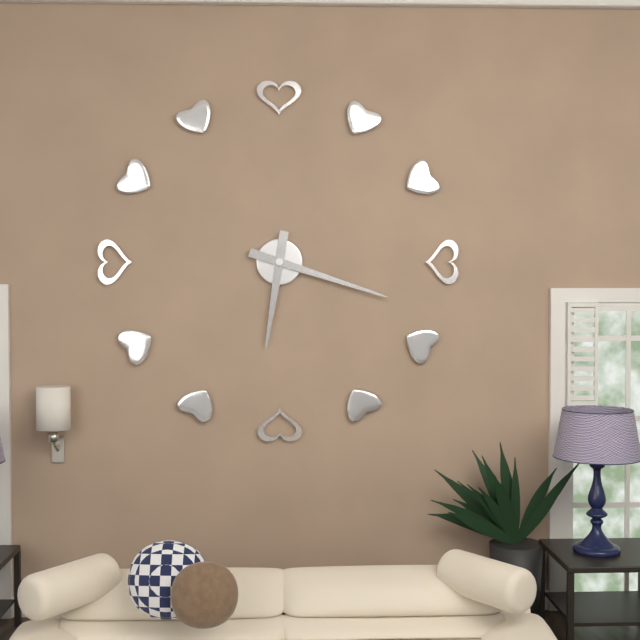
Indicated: 6 h 18 min
